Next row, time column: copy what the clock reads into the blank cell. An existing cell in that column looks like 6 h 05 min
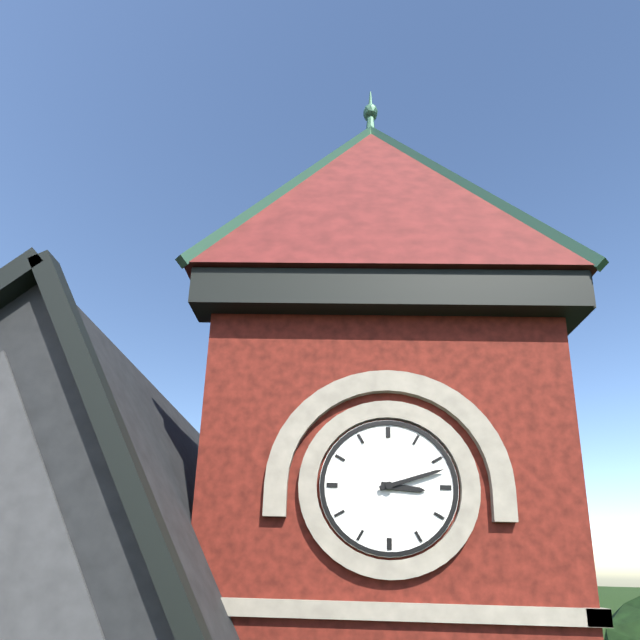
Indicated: 3 h 12 min
